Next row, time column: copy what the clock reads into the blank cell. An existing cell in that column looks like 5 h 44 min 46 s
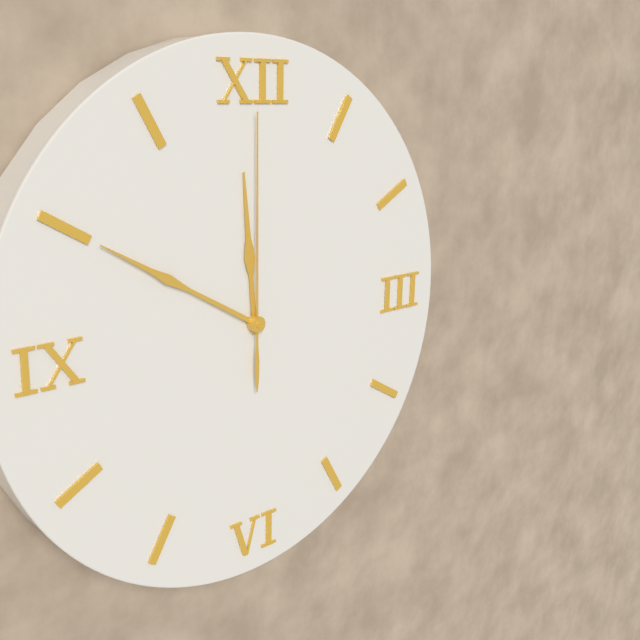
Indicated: 11 h 50 min 00 s
